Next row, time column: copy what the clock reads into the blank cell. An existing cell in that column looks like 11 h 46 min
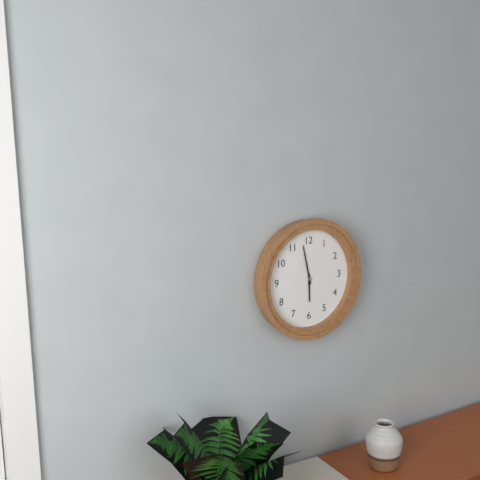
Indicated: 5 h 58 min
